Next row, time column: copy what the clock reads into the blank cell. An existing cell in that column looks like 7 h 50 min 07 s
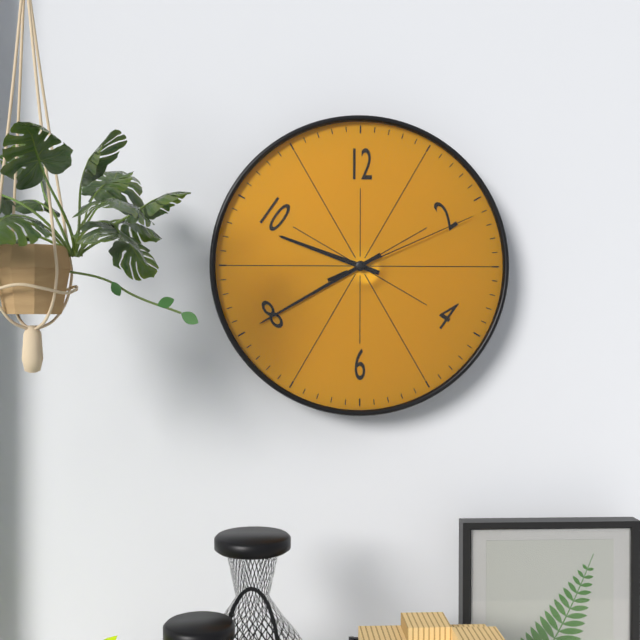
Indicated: 9 h 40 min 11 s
